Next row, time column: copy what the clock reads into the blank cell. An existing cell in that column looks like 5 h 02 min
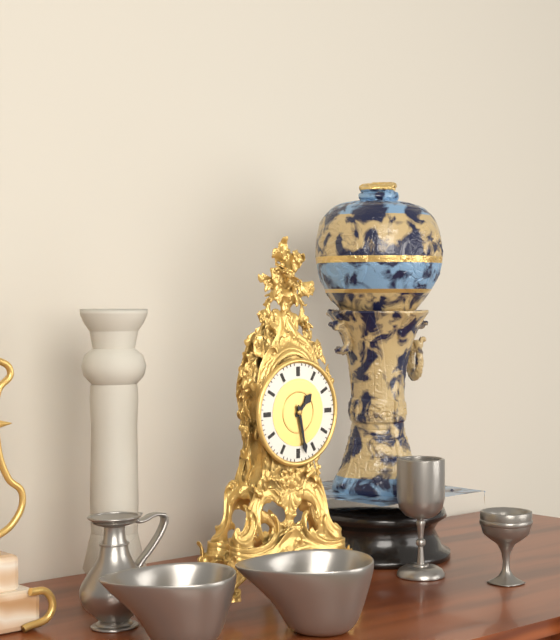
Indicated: 1 h 28 min
